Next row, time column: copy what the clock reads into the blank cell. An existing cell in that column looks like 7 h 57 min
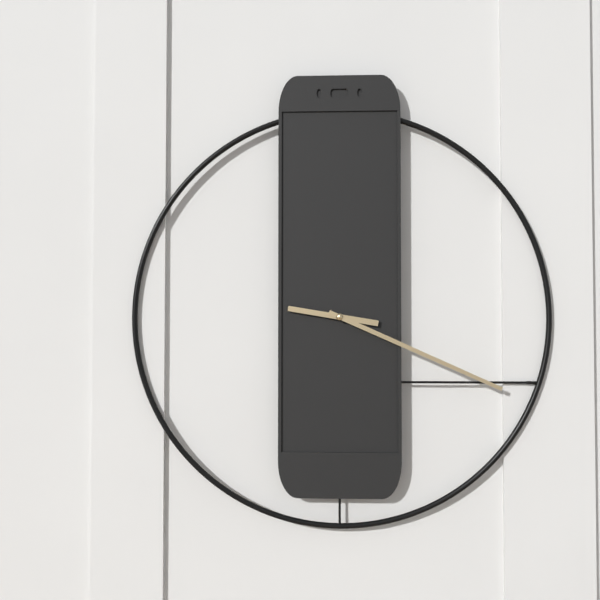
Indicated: 9 h 19 min
